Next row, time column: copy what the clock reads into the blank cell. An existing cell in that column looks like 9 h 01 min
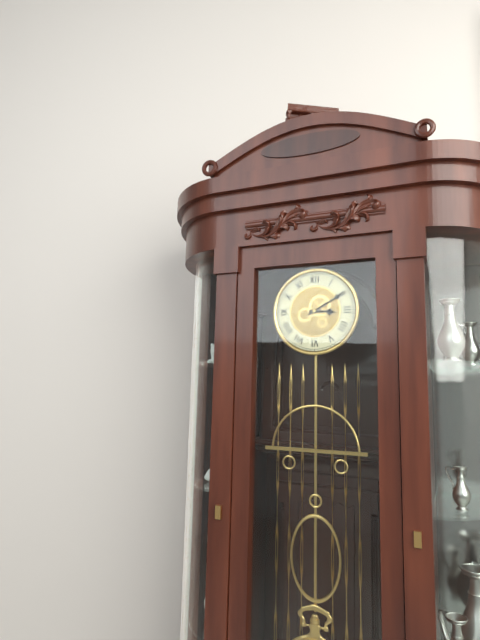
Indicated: 3 h 10 min
